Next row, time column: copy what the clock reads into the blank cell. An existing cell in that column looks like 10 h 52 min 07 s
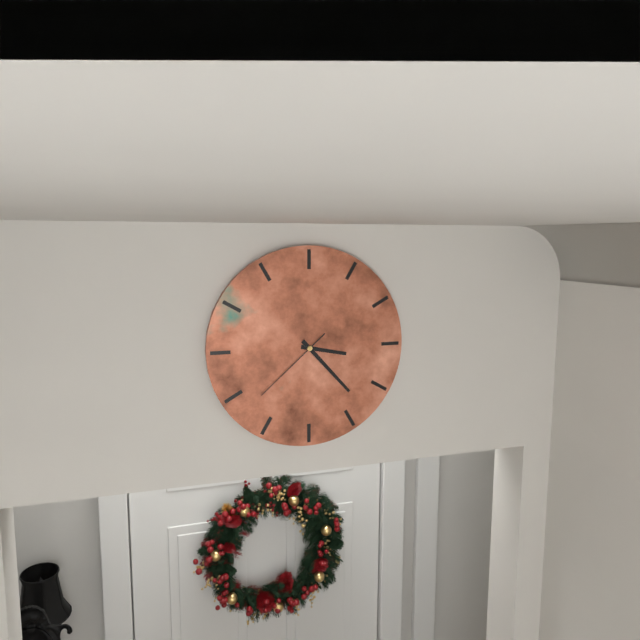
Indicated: 3 h 23 min 38 s
